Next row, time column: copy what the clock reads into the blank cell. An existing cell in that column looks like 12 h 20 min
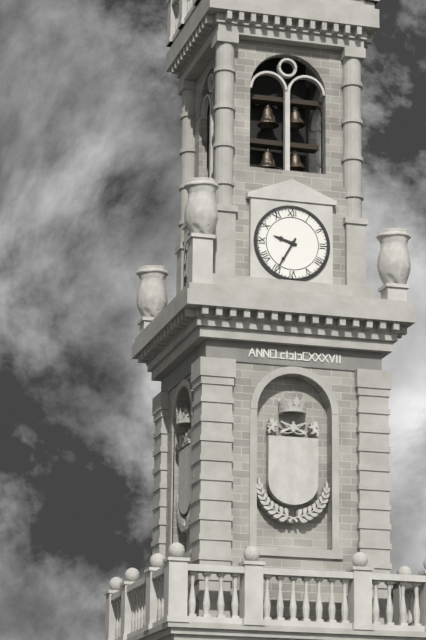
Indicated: 9 h 35 min
